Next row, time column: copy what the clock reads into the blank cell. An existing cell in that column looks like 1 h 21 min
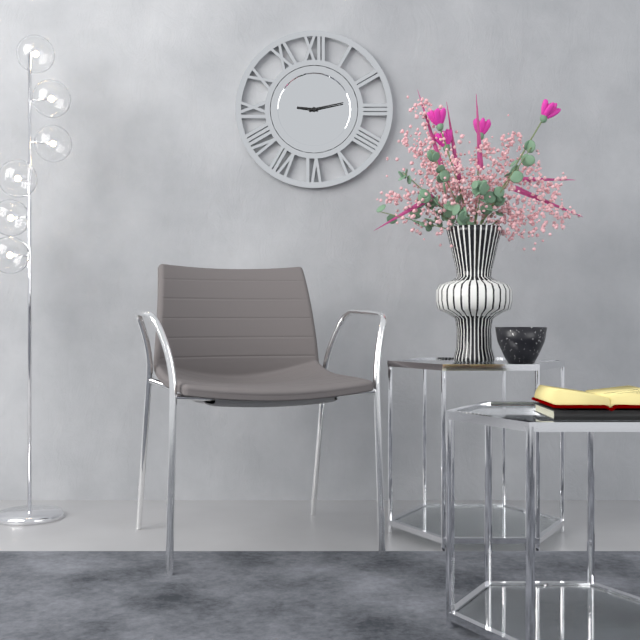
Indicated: 9 h 13 min
